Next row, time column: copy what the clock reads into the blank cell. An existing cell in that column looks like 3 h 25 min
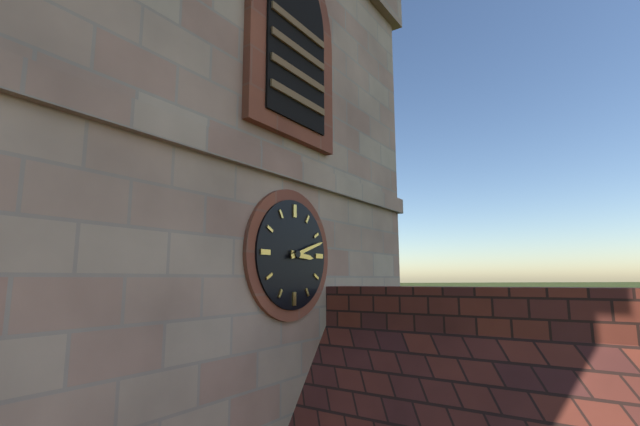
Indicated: 3 h 12 min
